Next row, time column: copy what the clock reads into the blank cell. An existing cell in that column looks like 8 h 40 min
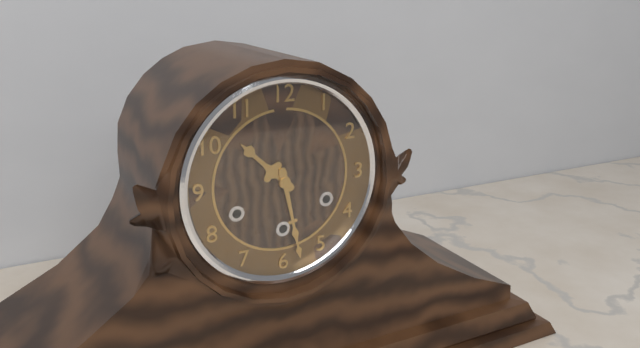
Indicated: 10 h 28 min
